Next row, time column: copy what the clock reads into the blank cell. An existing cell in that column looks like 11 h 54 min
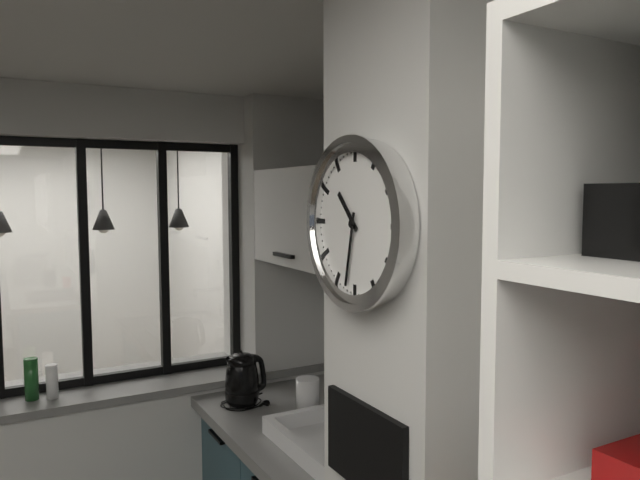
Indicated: 10 h 32 min
